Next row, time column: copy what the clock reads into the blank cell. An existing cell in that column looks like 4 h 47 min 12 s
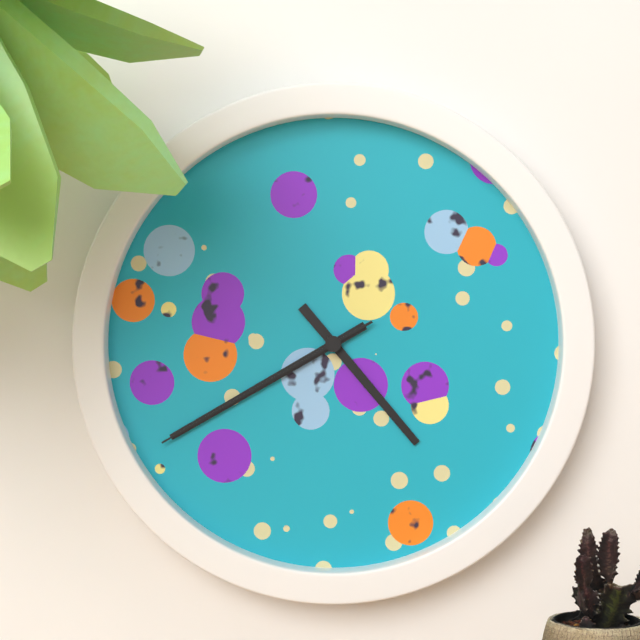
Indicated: 4 h 40 min 40 s
